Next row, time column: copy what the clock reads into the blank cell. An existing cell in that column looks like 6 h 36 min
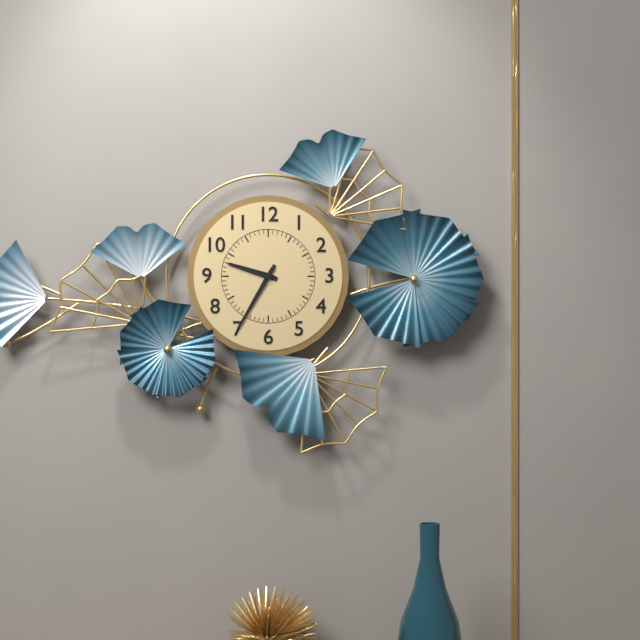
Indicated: 9 h 35 min
